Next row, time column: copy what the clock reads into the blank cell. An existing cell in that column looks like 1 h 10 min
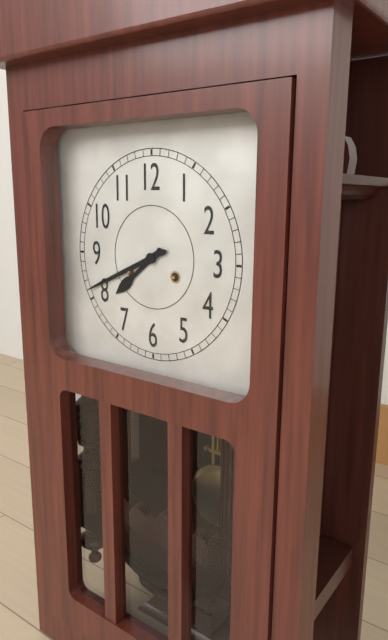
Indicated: 7 h 41 min
